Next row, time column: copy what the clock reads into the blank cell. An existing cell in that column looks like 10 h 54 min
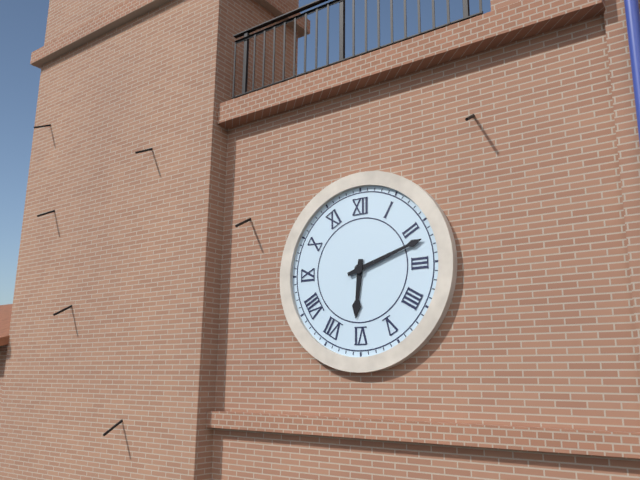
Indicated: 6 h 12 min
